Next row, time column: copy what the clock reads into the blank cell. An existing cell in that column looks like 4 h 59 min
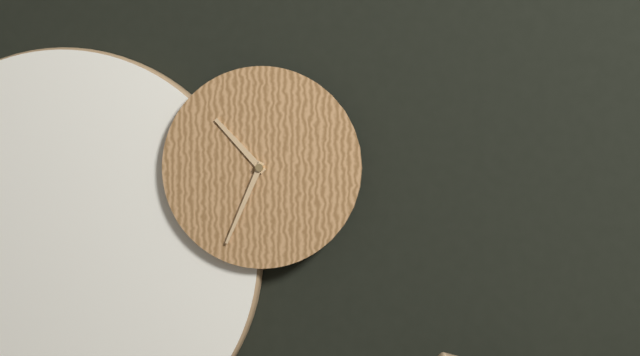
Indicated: 10 h 34 min
